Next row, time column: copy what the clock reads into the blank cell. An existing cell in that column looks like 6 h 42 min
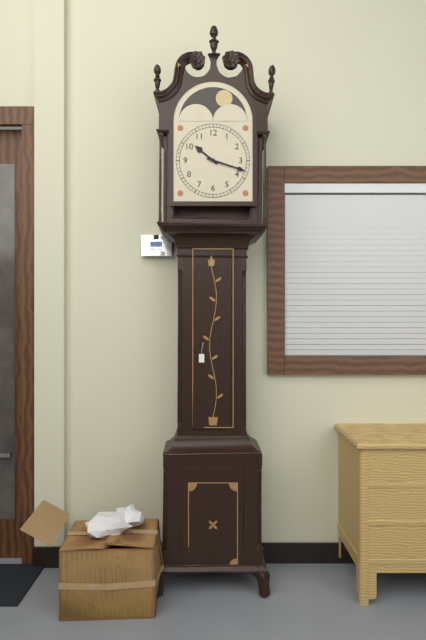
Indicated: 10 h 18 min
